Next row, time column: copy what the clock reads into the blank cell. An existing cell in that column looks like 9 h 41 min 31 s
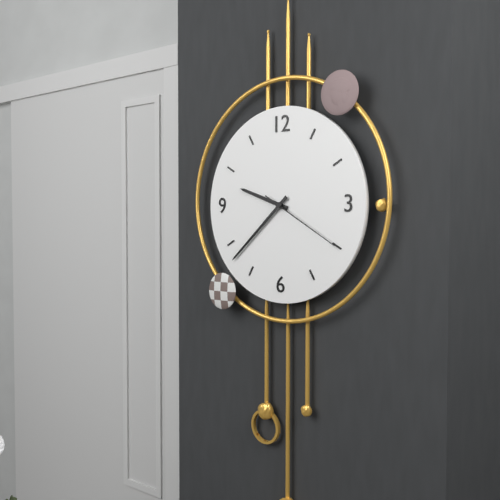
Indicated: 9 h 38 min 20 s
